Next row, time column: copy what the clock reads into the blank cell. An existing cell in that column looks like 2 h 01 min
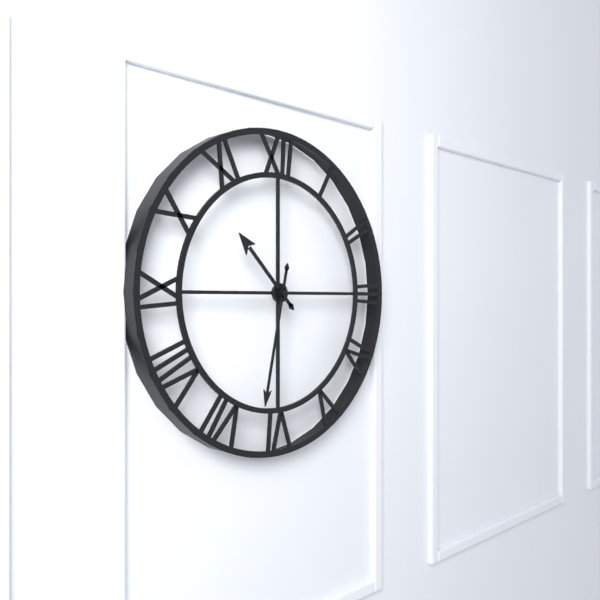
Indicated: 10 h 32 min
